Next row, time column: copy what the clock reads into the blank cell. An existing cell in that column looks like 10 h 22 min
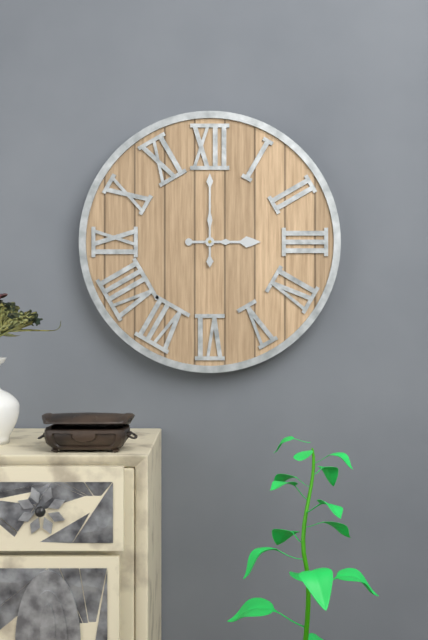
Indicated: 3 h 00 min
